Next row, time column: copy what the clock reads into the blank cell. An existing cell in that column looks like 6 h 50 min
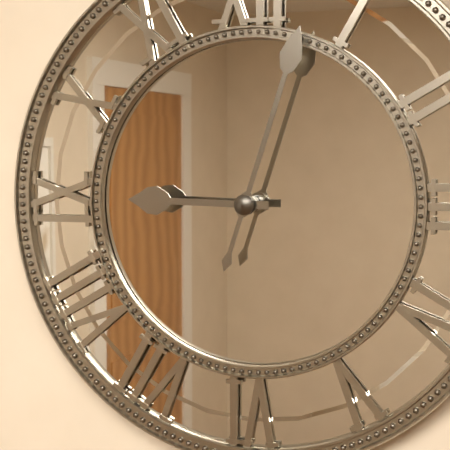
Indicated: 9 h 03 min
